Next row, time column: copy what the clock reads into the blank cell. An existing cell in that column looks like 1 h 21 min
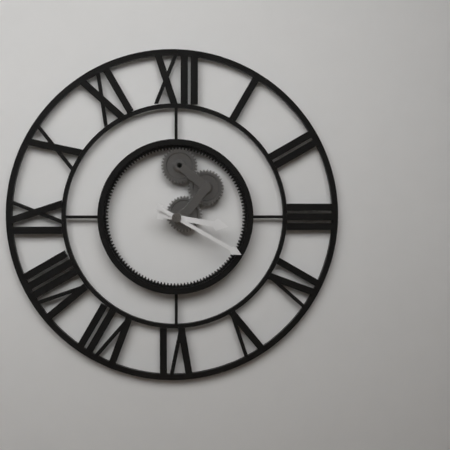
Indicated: 3 h 20 min
